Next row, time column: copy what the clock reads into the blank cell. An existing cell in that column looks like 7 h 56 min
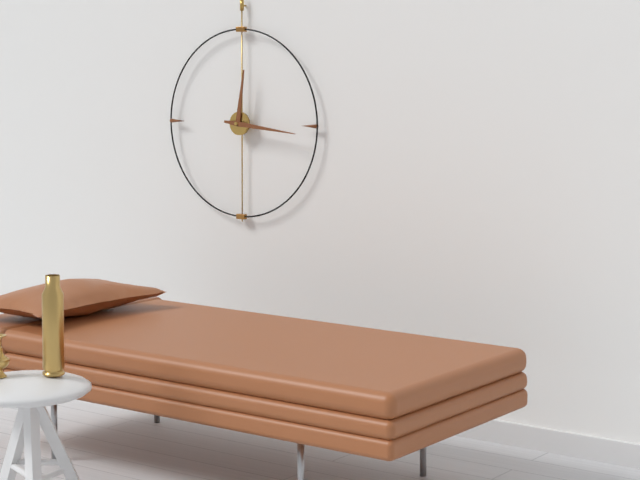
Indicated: 12 h 16 min
